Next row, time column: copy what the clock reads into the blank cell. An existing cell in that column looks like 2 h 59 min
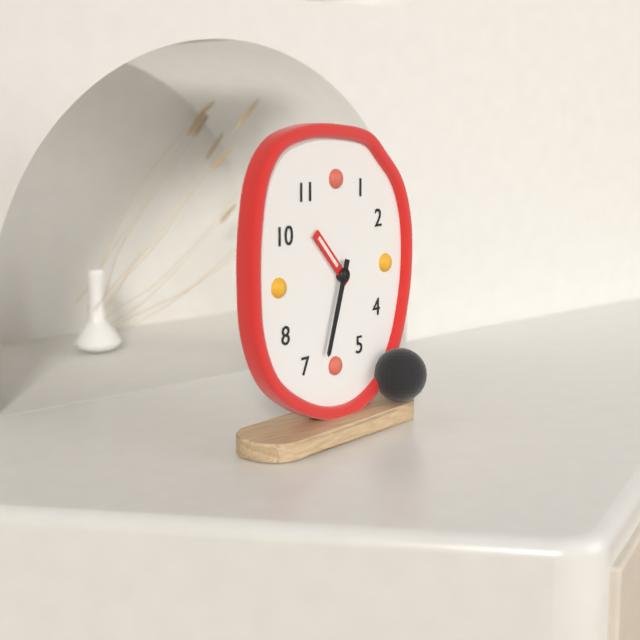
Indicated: 10 h 33 min
